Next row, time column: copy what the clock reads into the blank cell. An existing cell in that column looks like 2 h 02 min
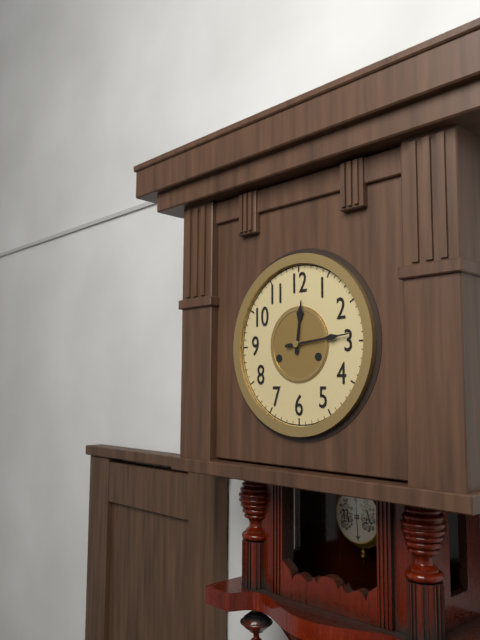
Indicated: 12 h 14 min
